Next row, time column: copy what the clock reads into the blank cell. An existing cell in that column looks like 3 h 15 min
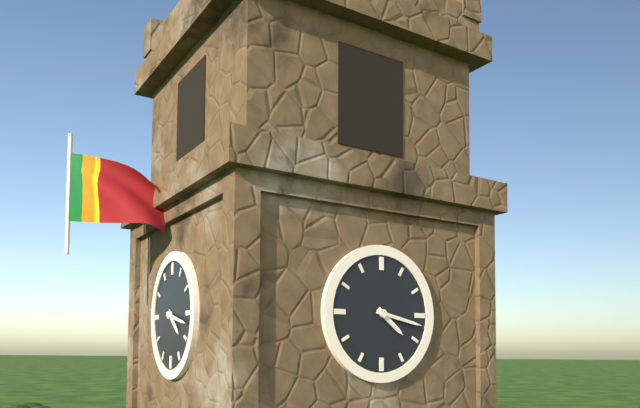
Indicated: 4 h 17 min
